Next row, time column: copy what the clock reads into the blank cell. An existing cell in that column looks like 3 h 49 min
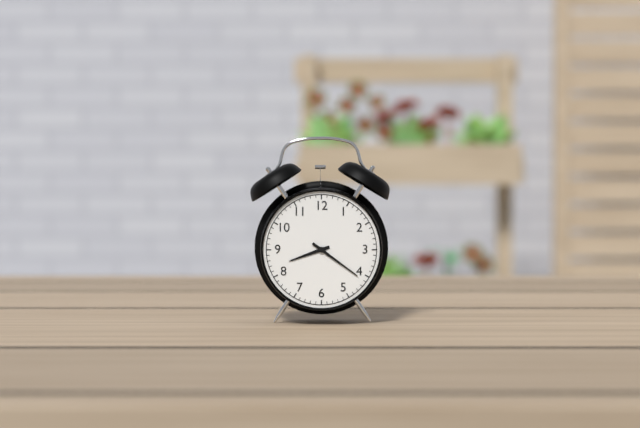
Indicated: 8 h 21 min
